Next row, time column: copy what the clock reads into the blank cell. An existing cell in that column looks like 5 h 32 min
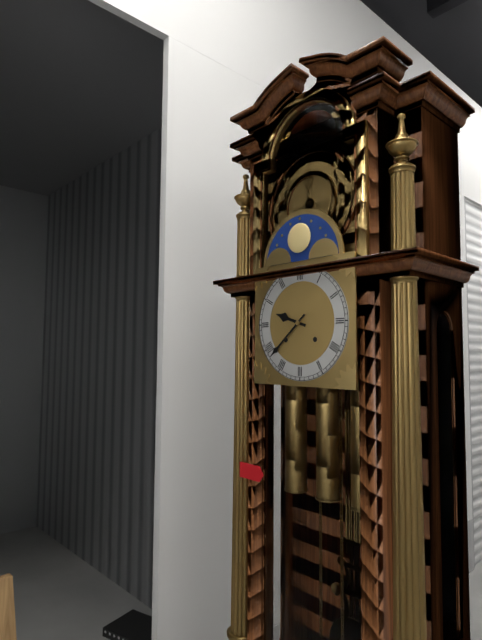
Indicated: 9 h 38 min
